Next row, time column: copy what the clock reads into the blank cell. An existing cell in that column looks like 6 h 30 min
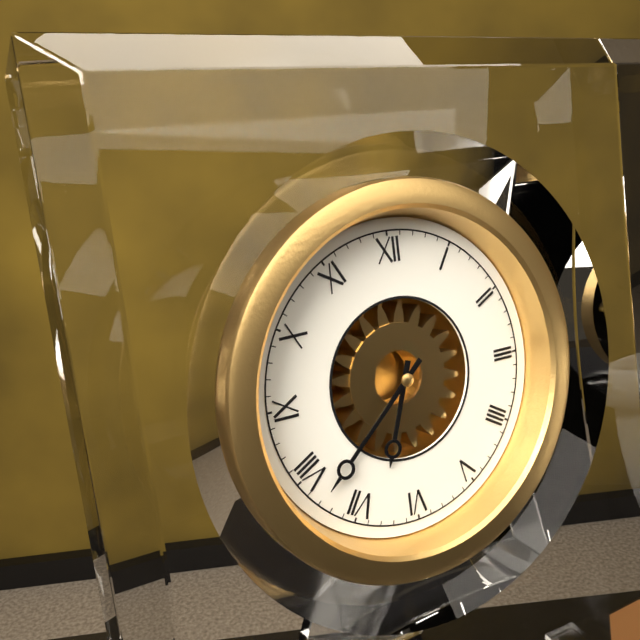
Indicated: 6 h 38 min
